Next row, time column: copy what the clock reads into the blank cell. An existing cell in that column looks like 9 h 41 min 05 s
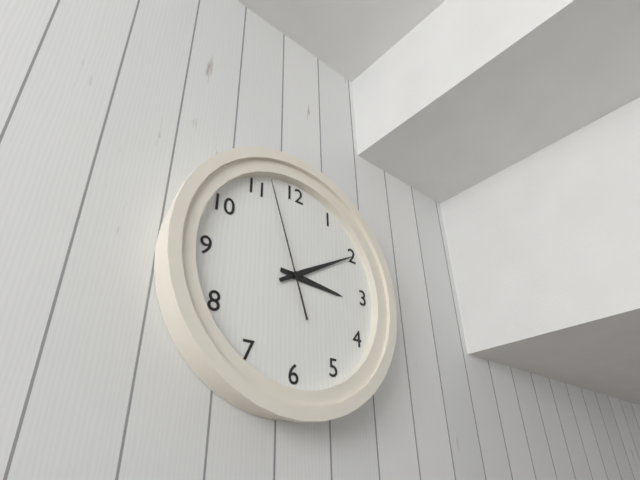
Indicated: 3 h 10 min 57 s
